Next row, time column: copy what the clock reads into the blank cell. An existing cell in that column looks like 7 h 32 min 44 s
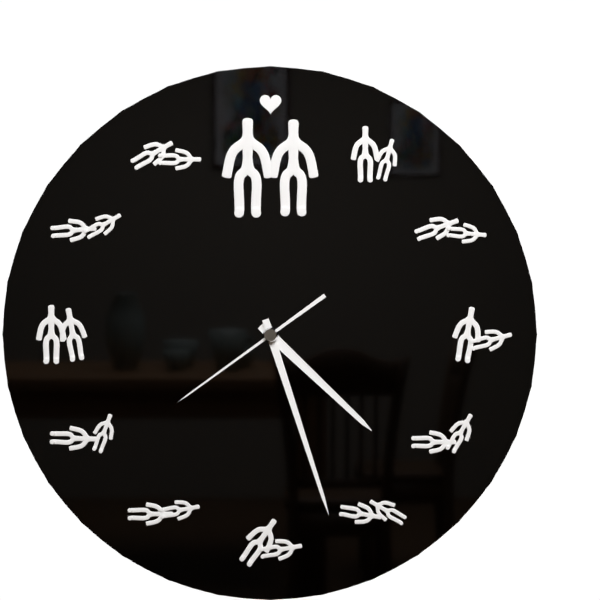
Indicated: 4 h 27 min 39 s
